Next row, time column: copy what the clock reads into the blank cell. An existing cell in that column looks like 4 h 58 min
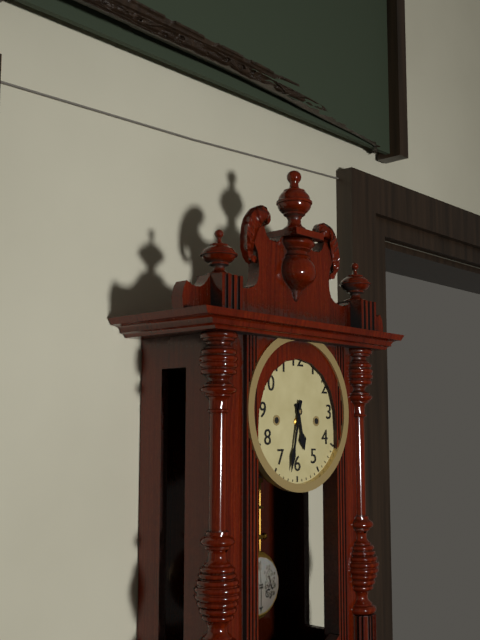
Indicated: 5 h 32 min
